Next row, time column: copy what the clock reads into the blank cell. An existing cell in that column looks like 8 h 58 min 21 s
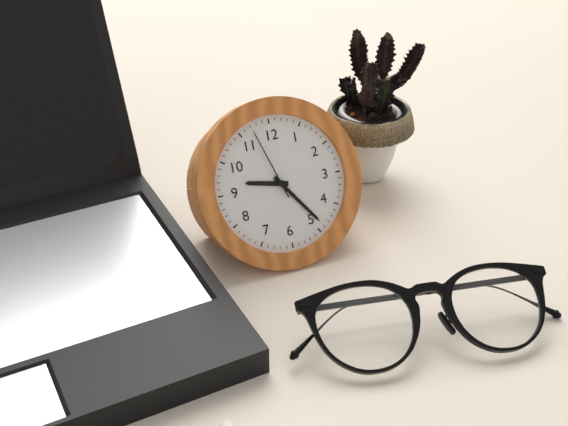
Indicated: 9 h 24 min 57 s
